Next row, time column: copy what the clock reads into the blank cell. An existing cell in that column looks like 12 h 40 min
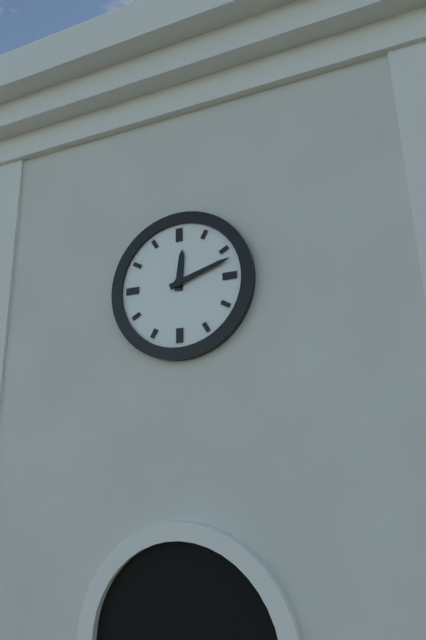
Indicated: 12 h 12 min
